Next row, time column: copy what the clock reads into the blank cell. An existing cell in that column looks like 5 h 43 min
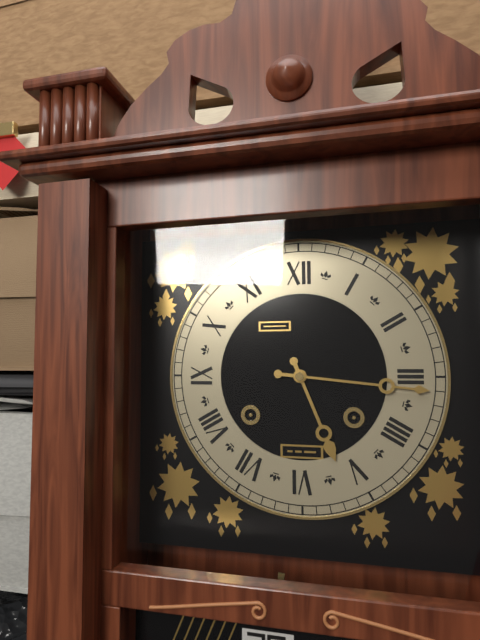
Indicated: 5 h 16 min
